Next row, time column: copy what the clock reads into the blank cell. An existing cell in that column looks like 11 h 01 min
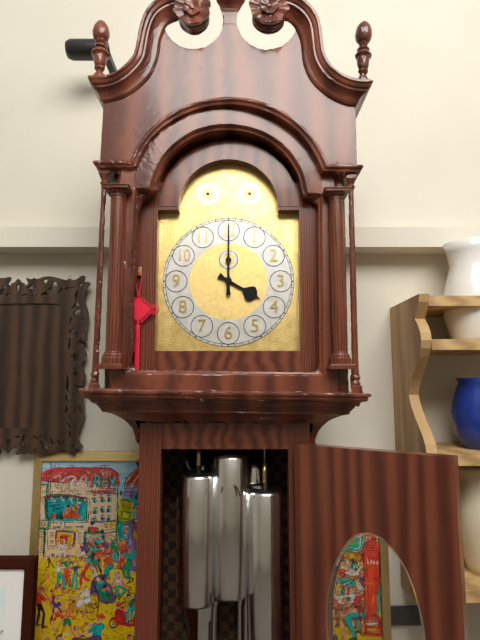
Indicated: 4 h 00 min
